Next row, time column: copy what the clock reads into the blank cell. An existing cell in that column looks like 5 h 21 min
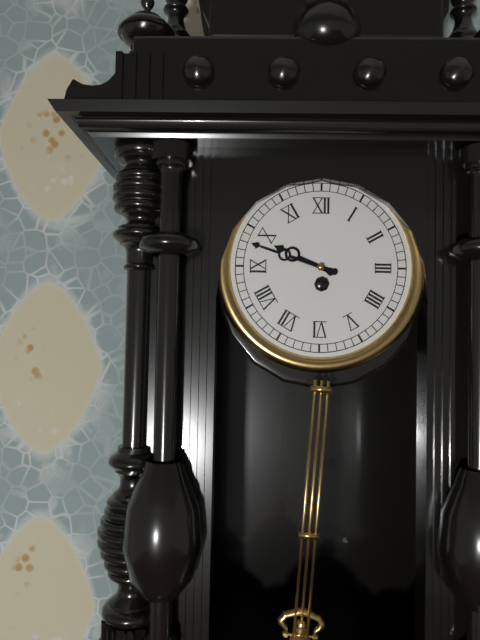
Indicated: 9 h 48 min
